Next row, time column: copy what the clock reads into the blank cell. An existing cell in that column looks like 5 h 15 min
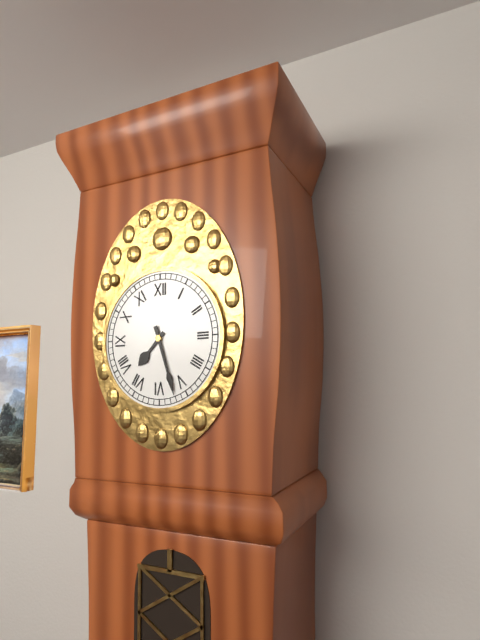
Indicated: 7 h 27 min
